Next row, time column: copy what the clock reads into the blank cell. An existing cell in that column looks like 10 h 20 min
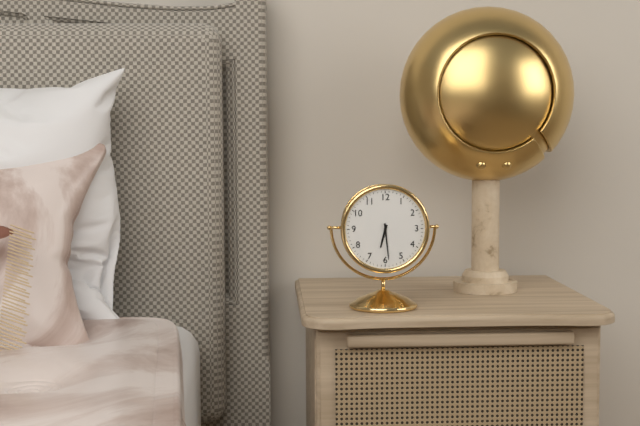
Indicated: 6 h 29 min
